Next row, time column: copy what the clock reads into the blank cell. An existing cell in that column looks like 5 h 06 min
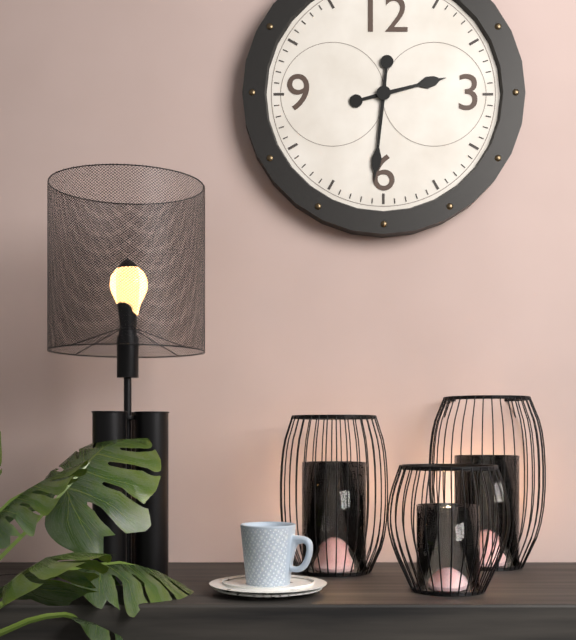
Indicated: 2 h 31 min
